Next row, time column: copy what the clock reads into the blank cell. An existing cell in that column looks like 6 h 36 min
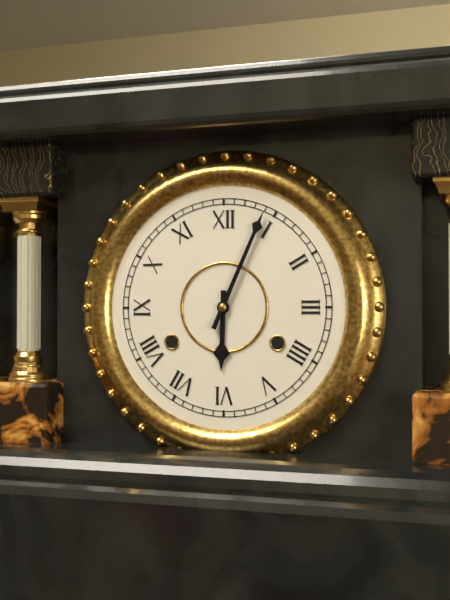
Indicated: 6 h 04 min
